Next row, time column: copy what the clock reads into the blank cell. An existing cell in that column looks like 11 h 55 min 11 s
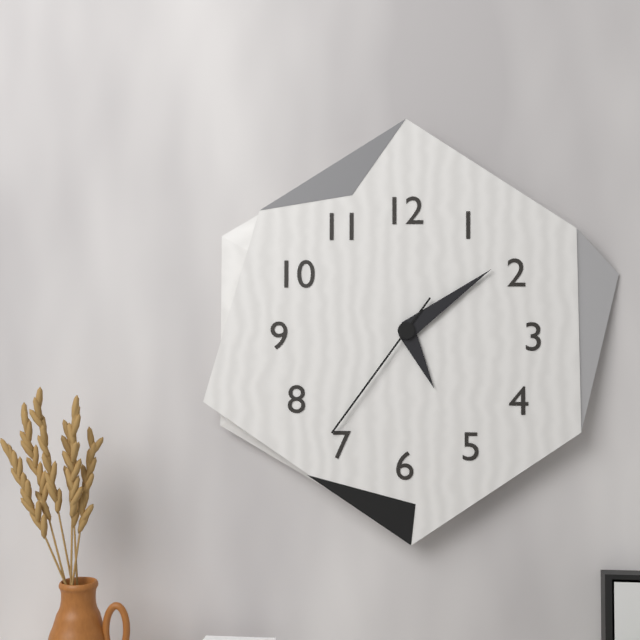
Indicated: 5 h 09 min 36 s
